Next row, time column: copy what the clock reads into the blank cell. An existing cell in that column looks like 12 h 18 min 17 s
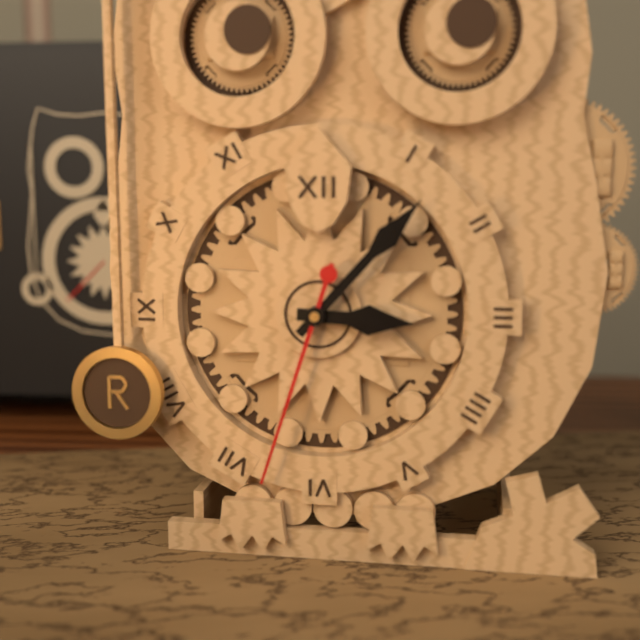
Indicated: 3 h 07 min 33 s
